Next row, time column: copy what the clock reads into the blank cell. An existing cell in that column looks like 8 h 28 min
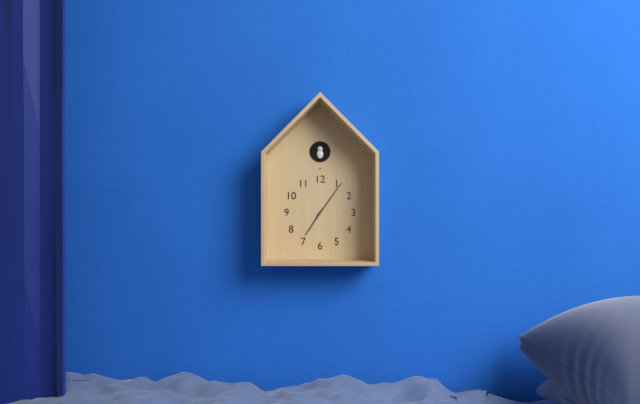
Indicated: 7 h 06 min
